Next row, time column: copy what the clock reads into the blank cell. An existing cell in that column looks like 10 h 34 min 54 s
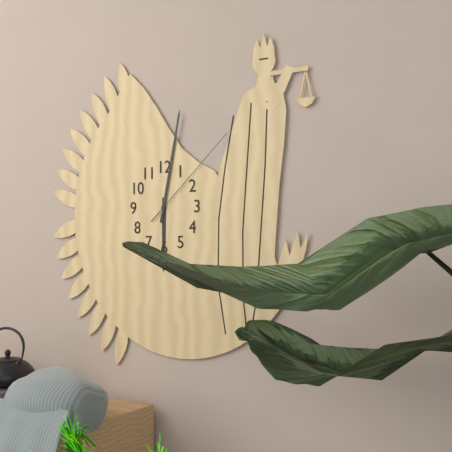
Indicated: 6 h 02 min 08 s
